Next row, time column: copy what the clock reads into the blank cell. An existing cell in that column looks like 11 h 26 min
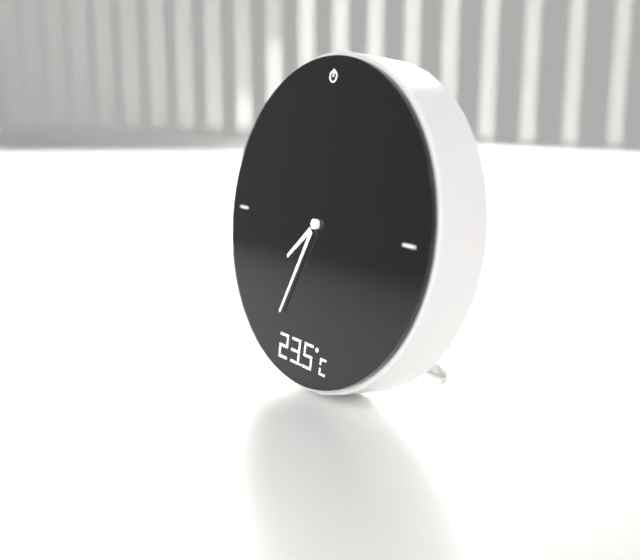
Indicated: 7 h 34 min
